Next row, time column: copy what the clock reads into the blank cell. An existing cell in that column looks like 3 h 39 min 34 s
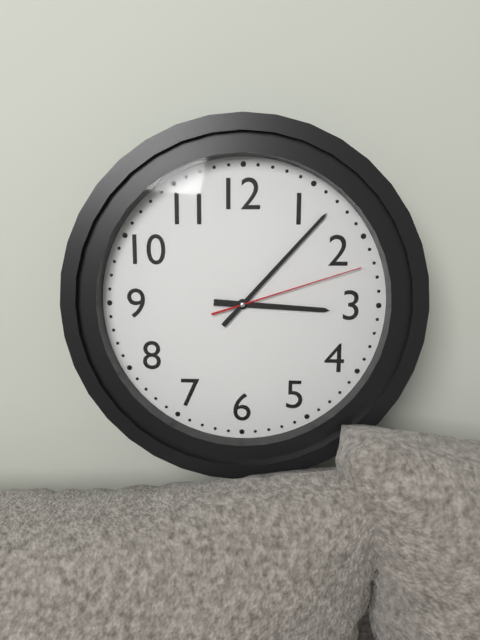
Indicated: 3 h 07 min 12 s
